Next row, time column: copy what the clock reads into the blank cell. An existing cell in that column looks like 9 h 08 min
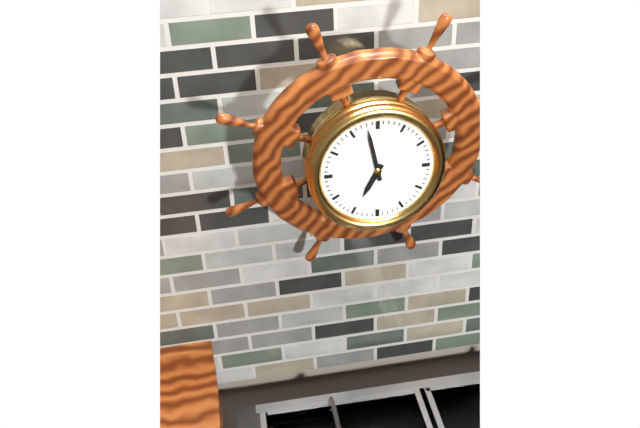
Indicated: 6 h 58 min
